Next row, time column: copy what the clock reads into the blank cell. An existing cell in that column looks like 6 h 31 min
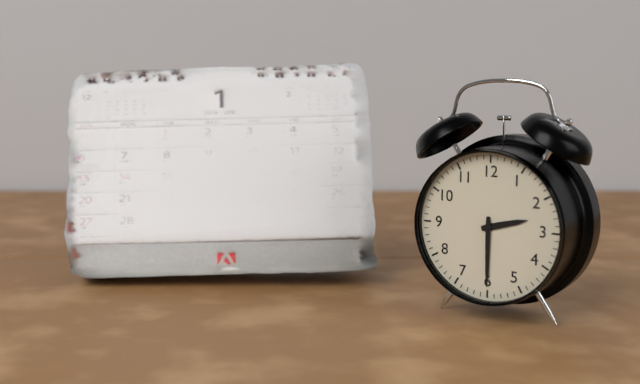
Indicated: 2 h 30 min
